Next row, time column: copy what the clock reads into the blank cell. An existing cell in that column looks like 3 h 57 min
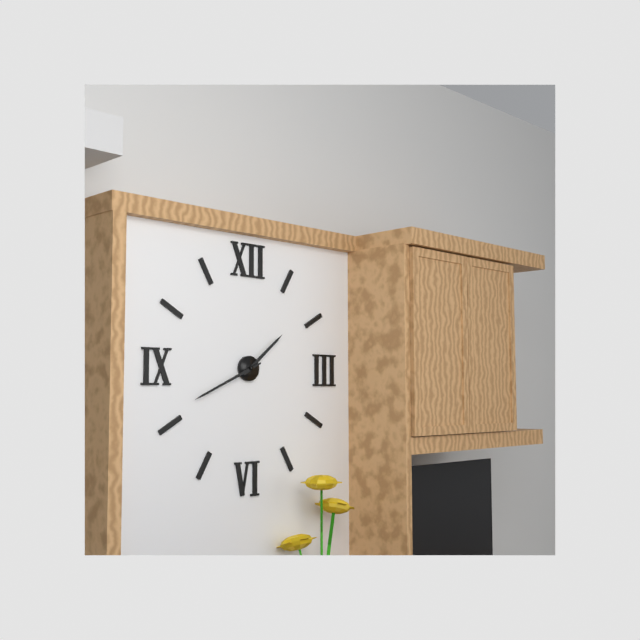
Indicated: 1 h 41 min
